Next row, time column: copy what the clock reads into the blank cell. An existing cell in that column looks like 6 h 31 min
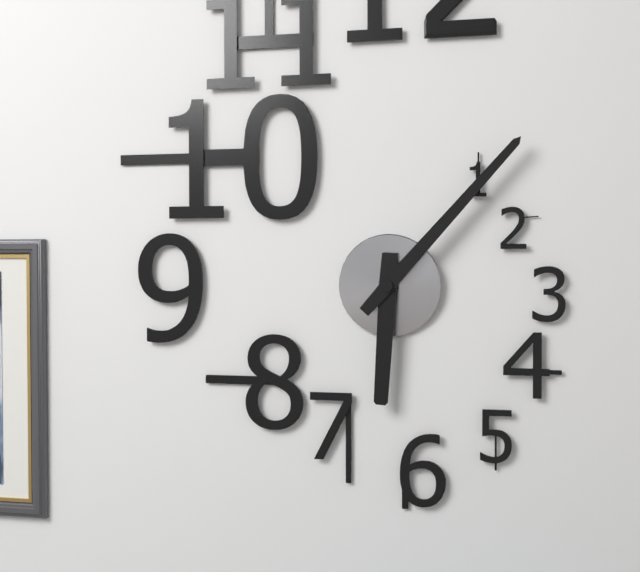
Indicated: 6 h 07 min
